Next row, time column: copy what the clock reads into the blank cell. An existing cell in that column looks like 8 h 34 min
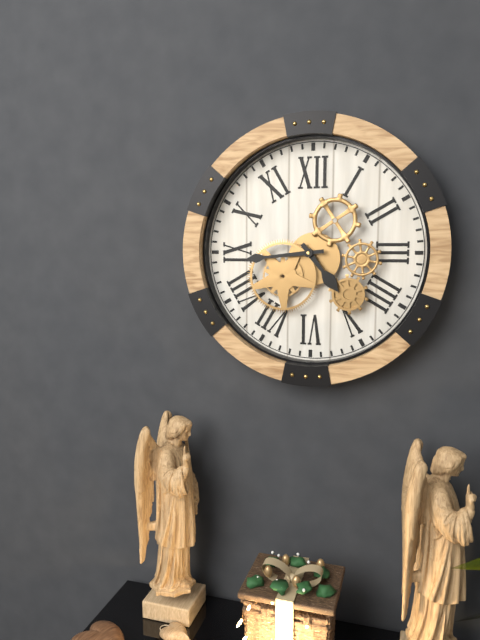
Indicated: 4 h 44 min
